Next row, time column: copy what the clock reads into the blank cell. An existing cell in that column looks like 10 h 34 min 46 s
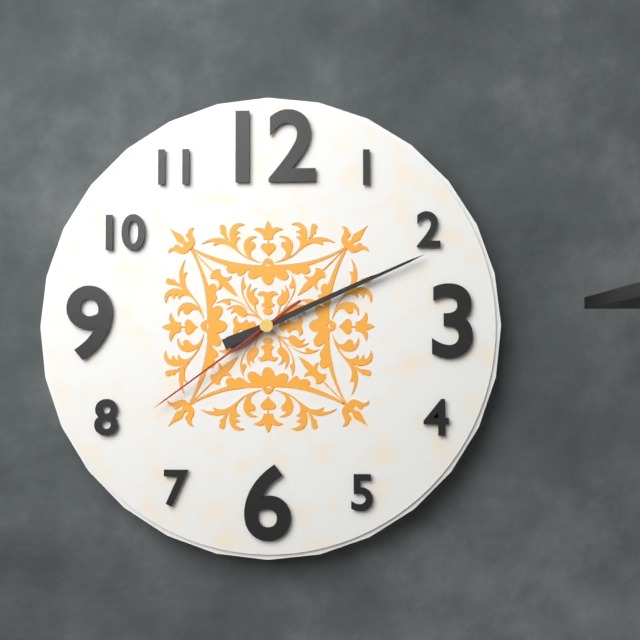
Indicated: 2 h 11 min 39 s
